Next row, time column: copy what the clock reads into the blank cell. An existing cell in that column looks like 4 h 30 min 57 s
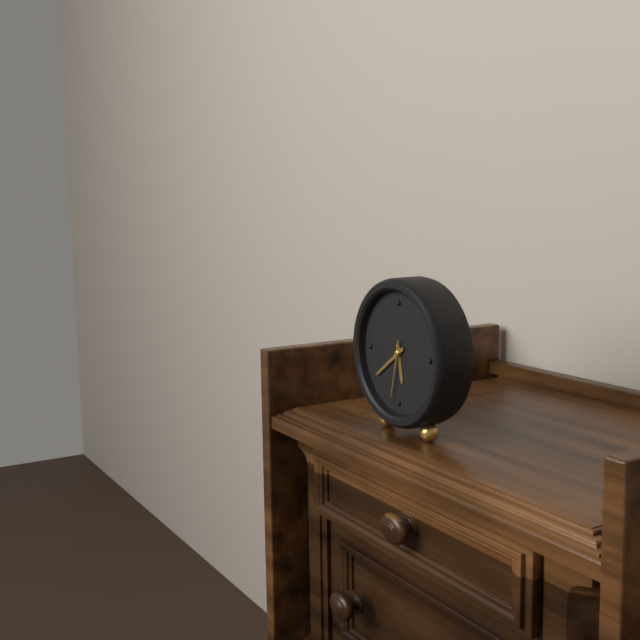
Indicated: 5 h 39 min 32 s
